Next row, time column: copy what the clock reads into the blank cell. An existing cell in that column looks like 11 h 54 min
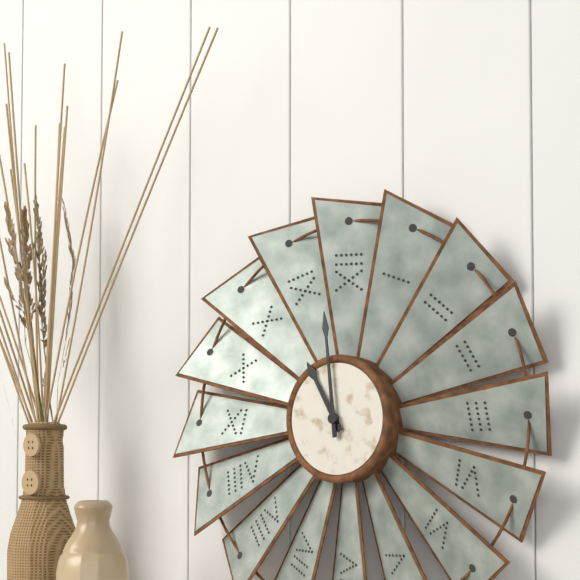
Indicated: 10 h 59 min
